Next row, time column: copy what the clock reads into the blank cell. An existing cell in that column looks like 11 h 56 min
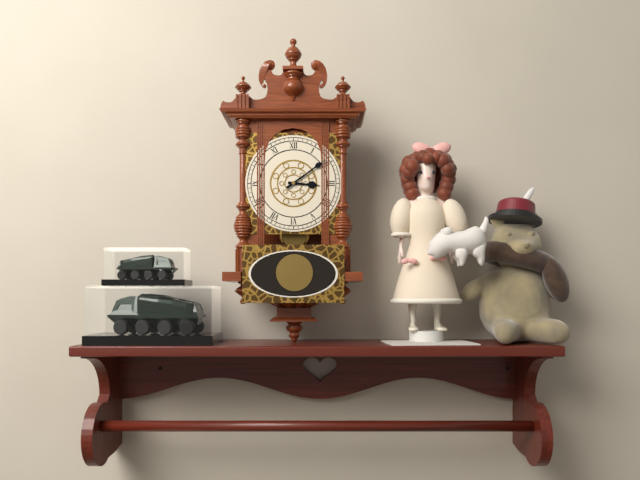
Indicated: 3 h 09 min
